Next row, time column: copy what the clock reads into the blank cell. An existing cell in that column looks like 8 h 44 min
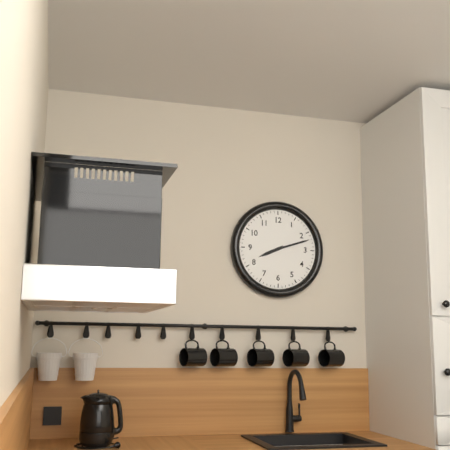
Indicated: 8 h 12 min
